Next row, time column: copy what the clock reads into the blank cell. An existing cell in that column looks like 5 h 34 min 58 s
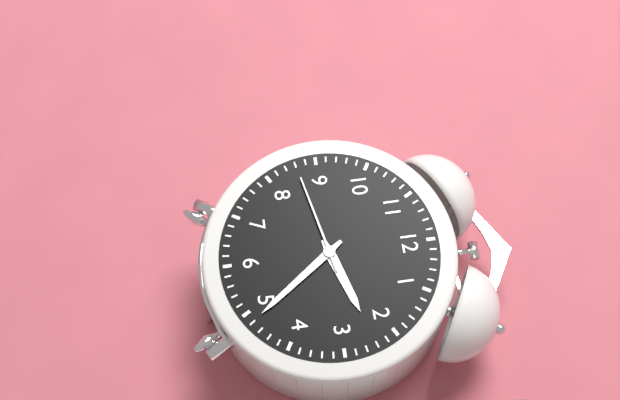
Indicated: 2 h 24 min 43 s
